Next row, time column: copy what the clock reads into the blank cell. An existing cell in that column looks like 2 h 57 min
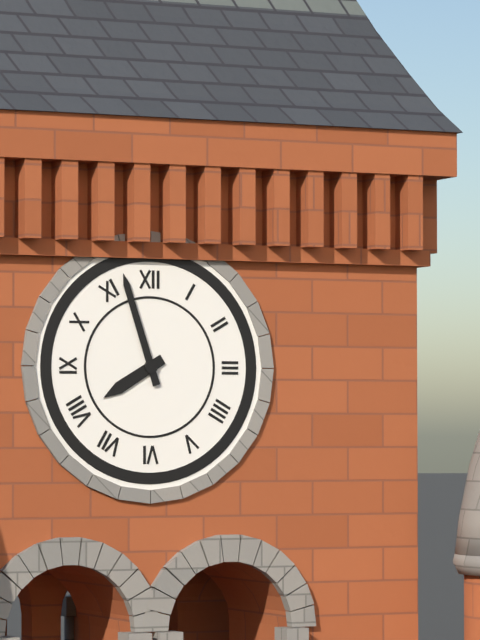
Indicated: 7 h 57 min
